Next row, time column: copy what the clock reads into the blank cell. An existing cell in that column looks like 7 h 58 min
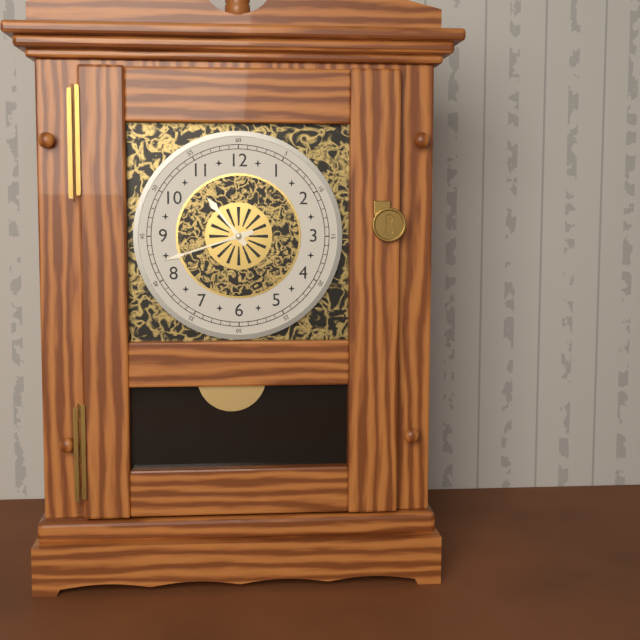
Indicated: 10 h 42 min
